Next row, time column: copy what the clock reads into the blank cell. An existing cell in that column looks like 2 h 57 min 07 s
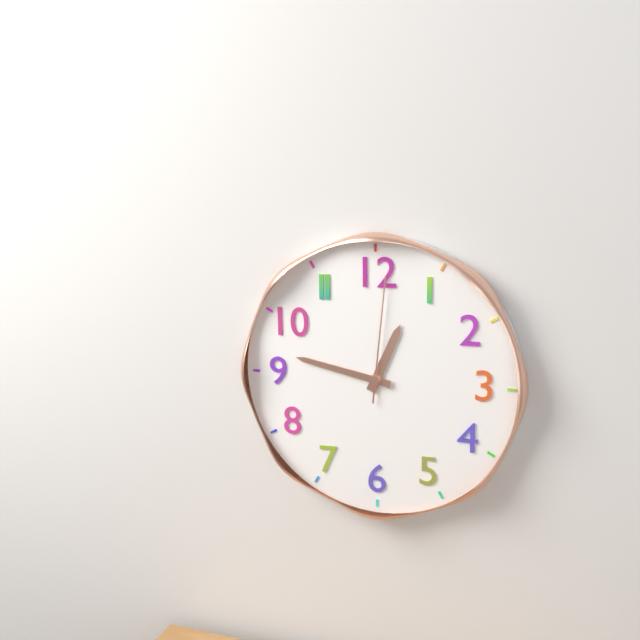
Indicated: 12 h 47 min 01 s
